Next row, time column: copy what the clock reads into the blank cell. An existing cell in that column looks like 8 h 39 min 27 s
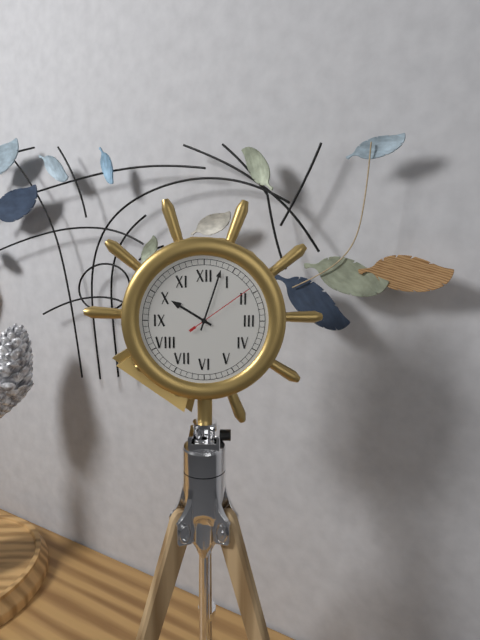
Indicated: 10 h 03 min 09 s
